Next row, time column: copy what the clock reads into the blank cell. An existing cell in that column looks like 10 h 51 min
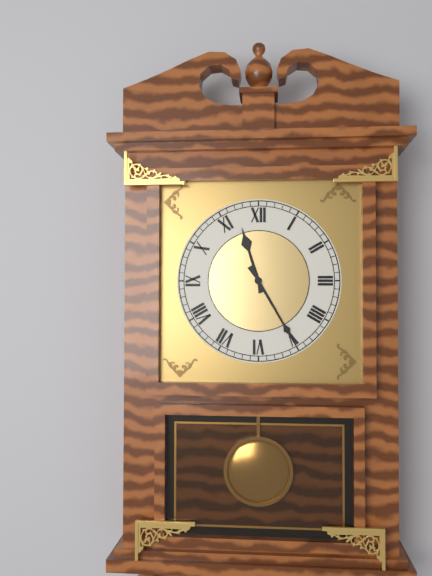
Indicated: 11 h 25 min
